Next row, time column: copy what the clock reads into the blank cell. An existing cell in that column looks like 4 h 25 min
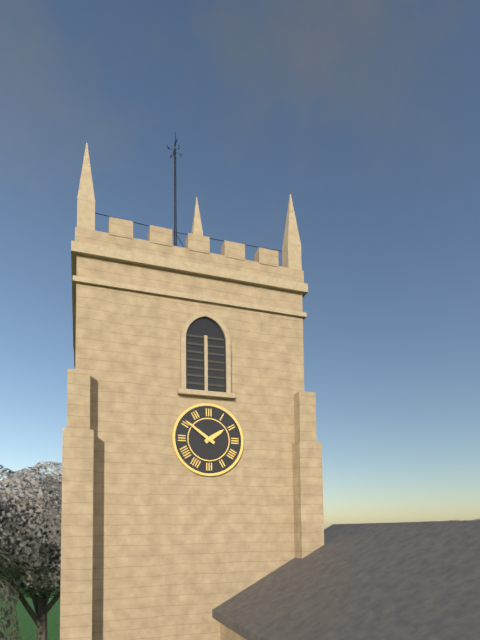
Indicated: 1 h 51 min
